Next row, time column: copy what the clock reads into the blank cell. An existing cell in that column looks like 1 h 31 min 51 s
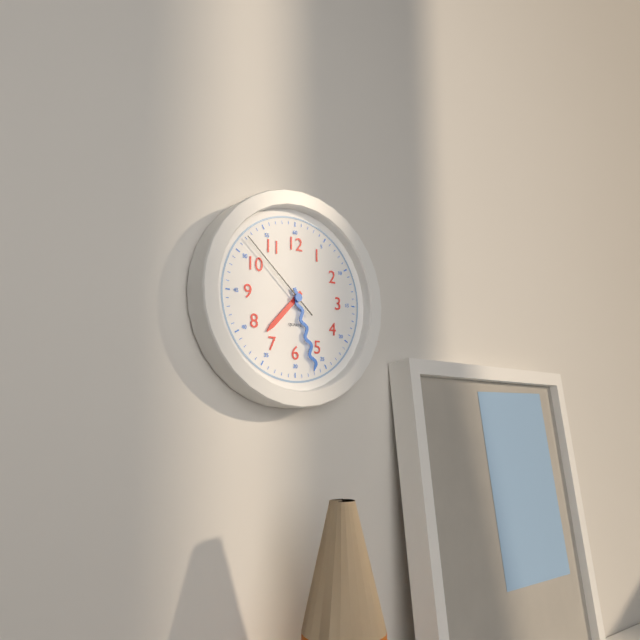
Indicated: 7 h 27 min 52 s
